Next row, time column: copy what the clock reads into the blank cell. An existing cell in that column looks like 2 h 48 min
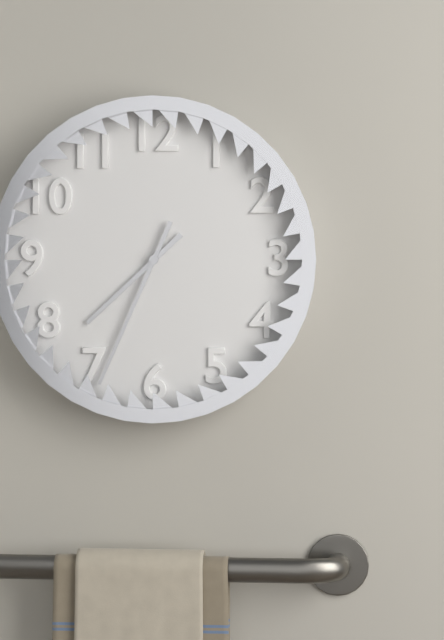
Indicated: 7 h 34 min
